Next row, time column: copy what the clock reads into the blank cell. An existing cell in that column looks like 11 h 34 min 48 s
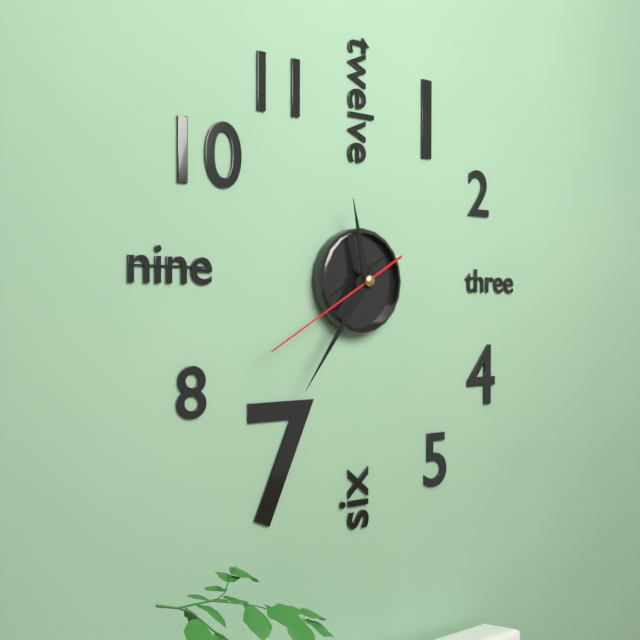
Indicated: 11 h 36 min 40 s
